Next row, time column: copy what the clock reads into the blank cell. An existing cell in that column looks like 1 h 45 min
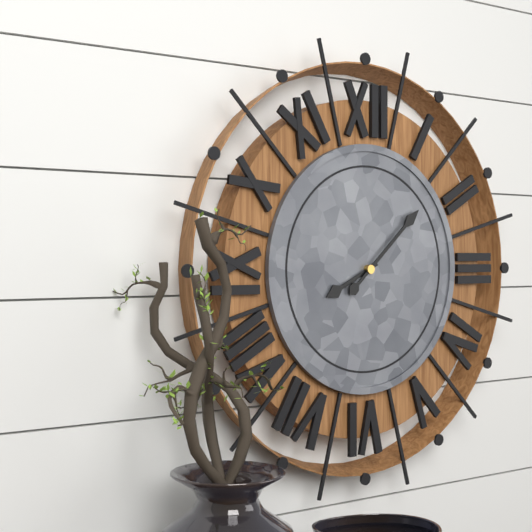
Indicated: 8 h 08 min
